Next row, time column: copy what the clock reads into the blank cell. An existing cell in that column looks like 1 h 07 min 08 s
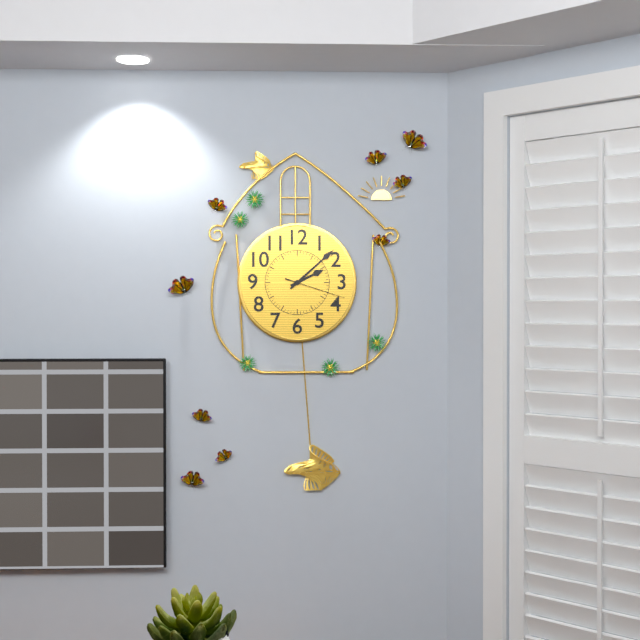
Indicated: 2 h 08 min 18 s
